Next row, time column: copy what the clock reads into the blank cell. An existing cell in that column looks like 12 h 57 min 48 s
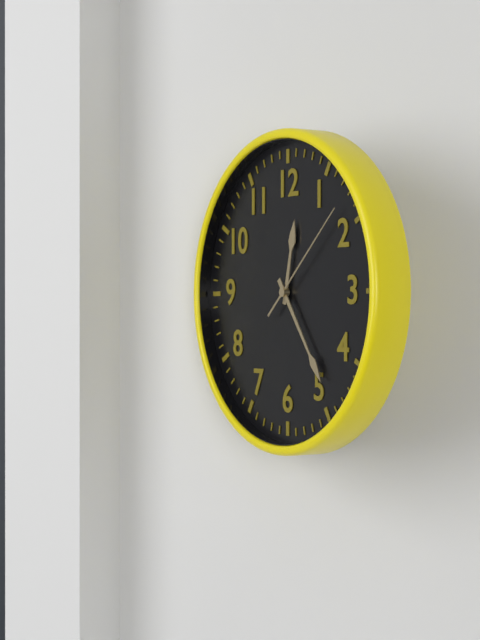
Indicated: 12 h 24 min 08 s
